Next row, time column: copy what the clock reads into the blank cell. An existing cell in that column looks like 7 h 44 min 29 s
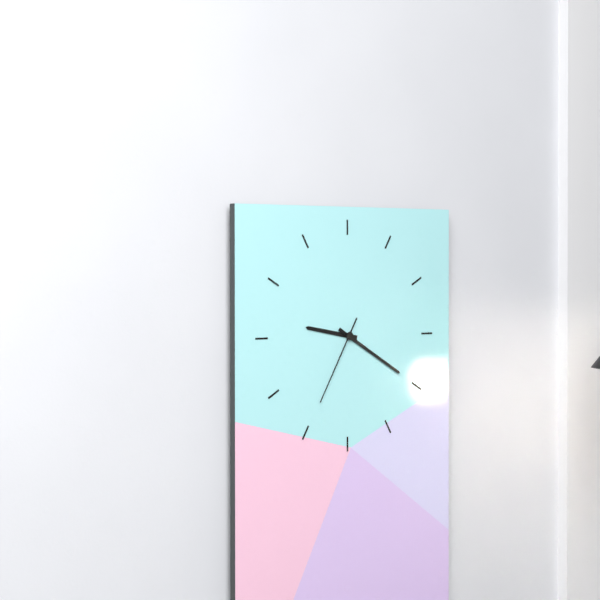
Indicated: 9 h 20 min 35 s
